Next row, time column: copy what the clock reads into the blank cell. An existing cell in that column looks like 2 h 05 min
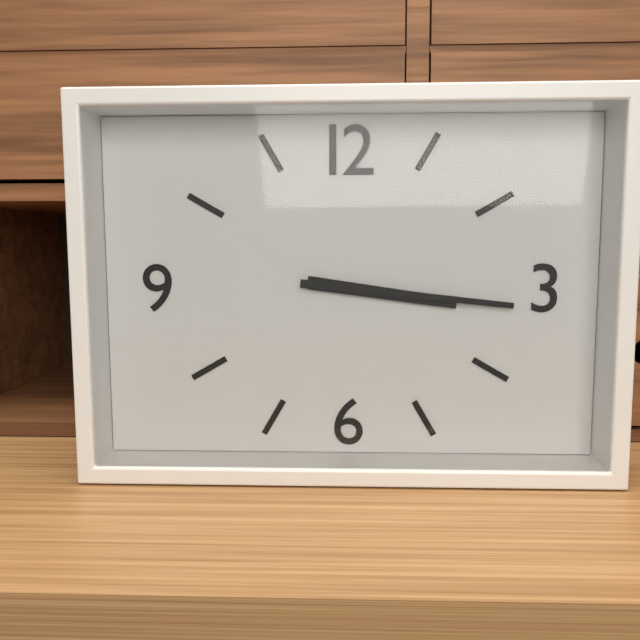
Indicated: 3 h 16 min
